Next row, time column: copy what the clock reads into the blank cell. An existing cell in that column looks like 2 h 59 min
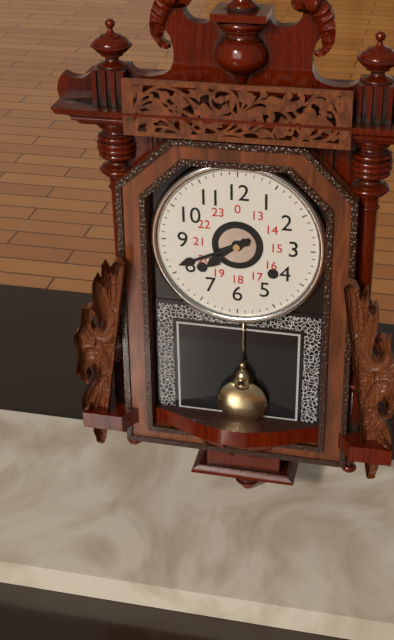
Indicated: 7 h 41 min
